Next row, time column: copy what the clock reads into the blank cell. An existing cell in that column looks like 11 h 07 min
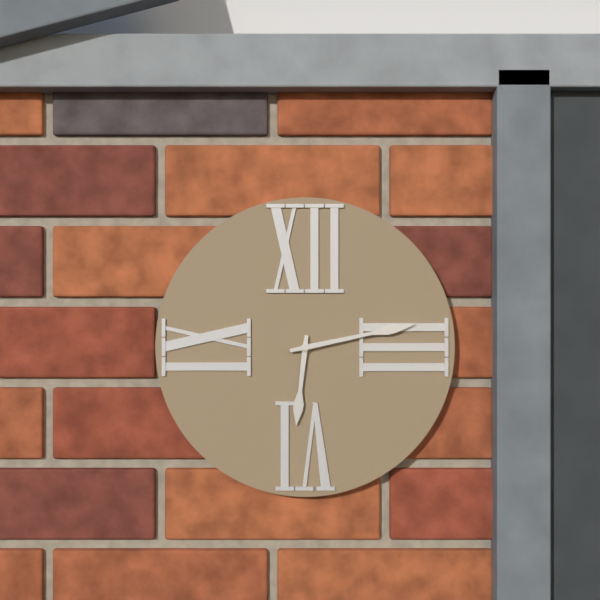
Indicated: 6 h 13 min
